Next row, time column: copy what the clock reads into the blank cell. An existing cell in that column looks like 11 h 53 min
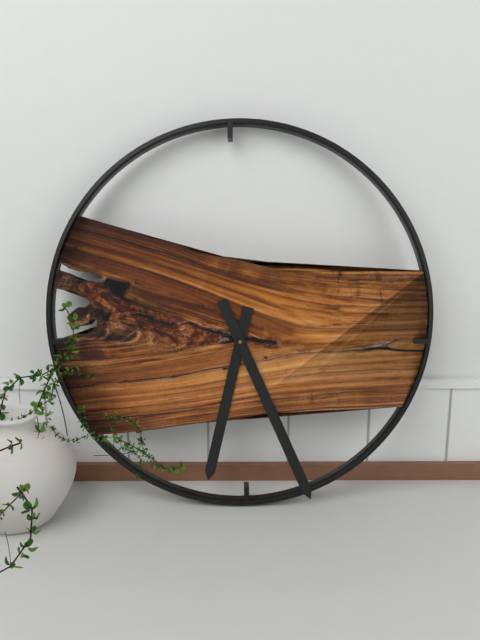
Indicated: 6 h 26 min
